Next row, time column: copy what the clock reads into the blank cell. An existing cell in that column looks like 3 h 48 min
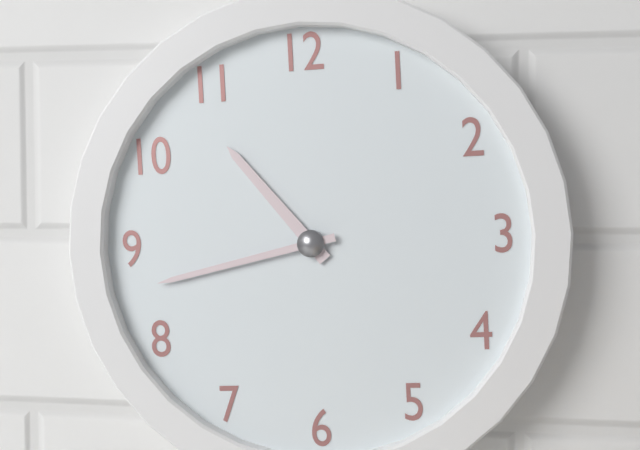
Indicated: 10 h 43 min
